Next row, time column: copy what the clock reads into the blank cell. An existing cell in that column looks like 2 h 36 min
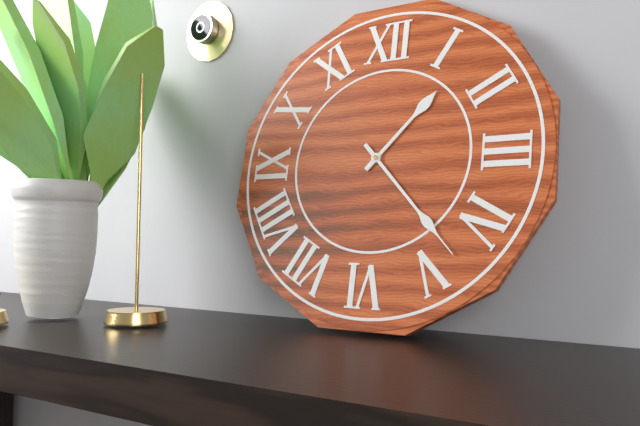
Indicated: 1 h 23 min
